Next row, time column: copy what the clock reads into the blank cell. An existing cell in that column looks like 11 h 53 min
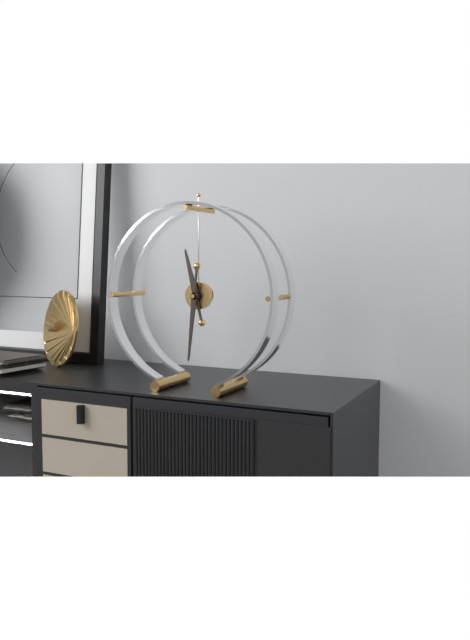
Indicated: 11 h 31 min
